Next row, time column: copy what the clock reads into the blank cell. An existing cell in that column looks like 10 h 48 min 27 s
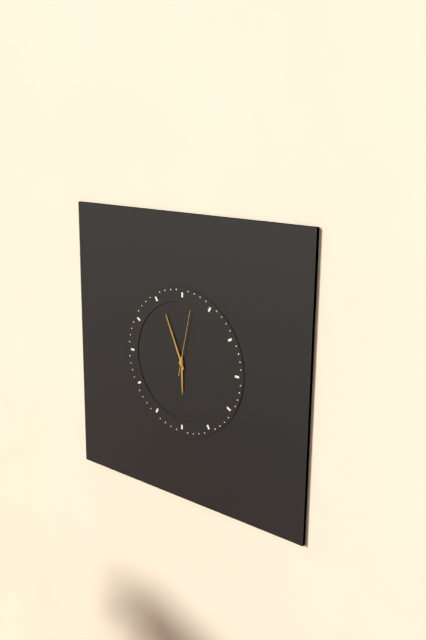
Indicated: 5 h 56 min 02 s
